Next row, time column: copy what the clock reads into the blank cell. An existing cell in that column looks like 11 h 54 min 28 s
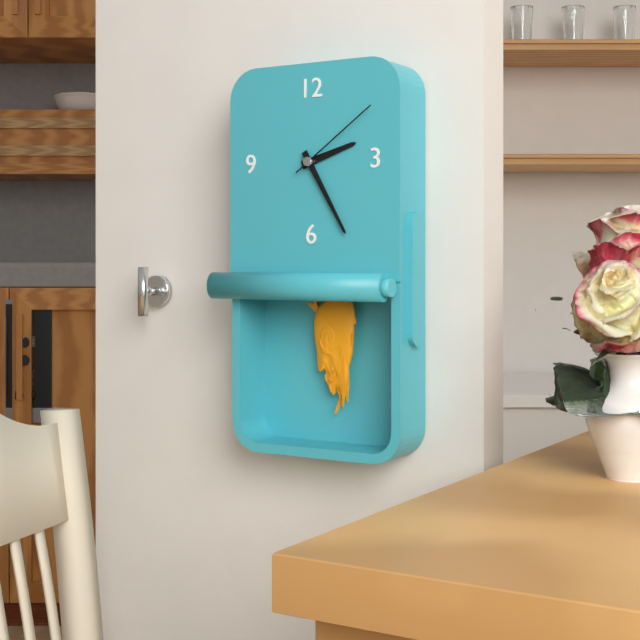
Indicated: 2 h 25 min 09 s
